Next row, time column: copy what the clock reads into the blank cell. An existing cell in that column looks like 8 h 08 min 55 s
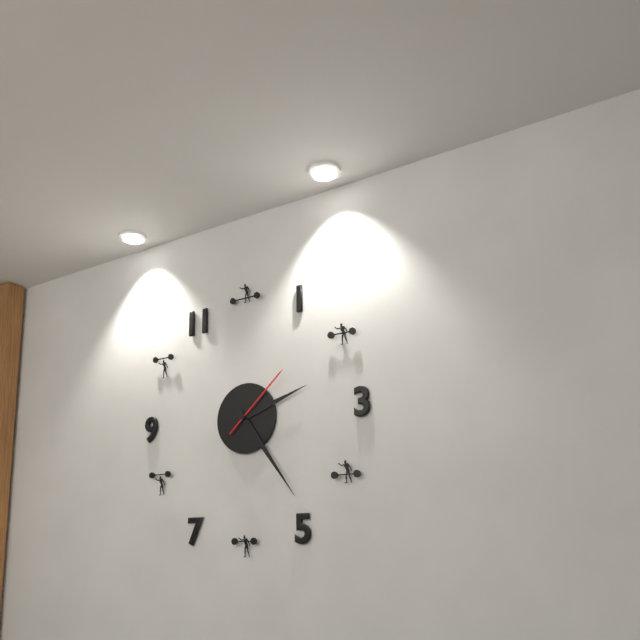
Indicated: 2 h 24 min 08 s
